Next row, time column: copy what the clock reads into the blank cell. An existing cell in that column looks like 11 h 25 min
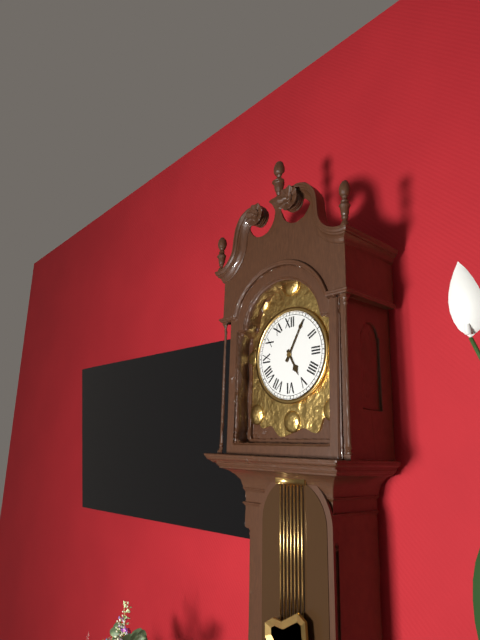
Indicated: 5 h 05 min
